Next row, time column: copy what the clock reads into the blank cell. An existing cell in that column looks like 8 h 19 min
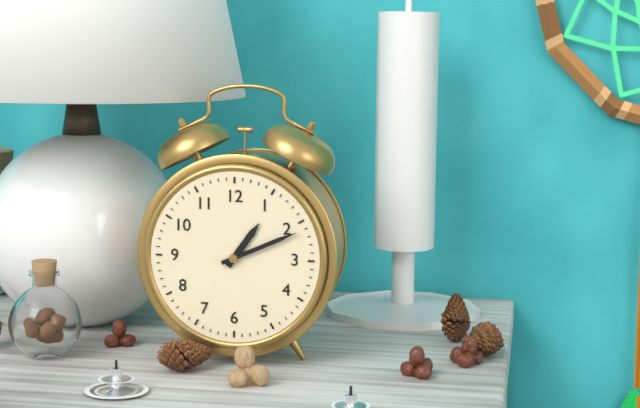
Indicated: 1 h 11 min
